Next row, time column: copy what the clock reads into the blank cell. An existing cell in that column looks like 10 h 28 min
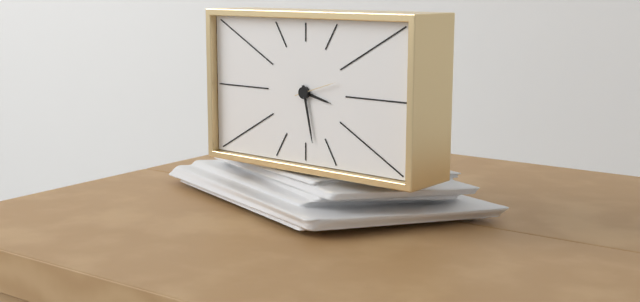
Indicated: 3 h 28 min
